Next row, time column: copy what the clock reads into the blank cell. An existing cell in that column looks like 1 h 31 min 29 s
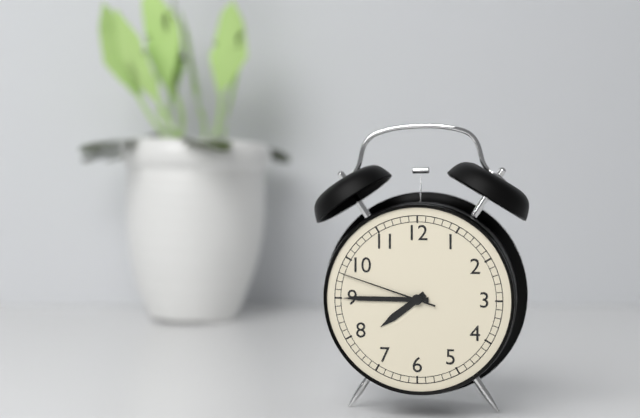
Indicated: 7 h 45 min 48 s
